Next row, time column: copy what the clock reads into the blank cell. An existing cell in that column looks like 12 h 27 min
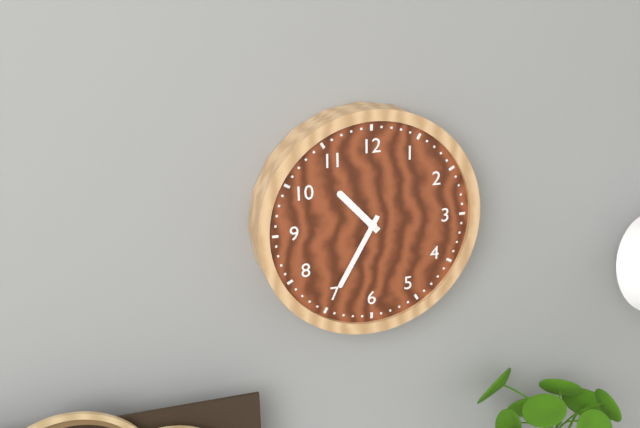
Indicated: 10 h 35 min
